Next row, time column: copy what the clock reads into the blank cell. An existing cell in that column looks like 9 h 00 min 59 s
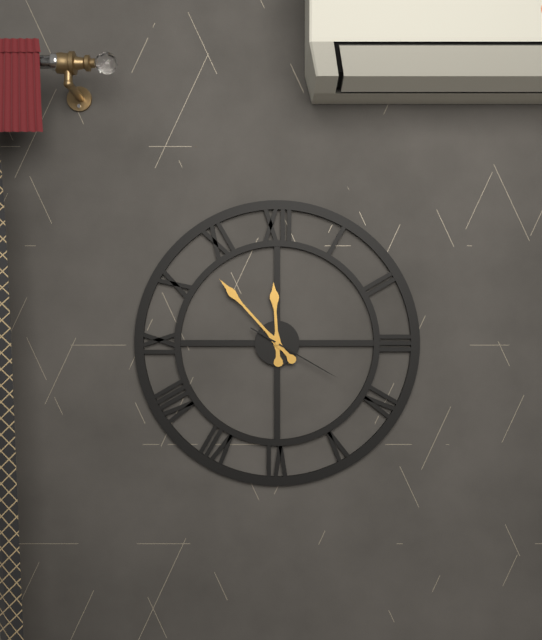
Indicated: 11 h 53 min 20 s
